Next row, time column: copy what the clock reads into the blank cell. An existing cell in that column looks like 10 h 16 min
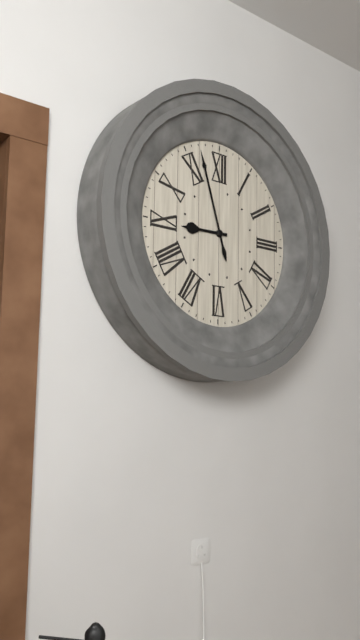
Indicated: 8 h 57 min
